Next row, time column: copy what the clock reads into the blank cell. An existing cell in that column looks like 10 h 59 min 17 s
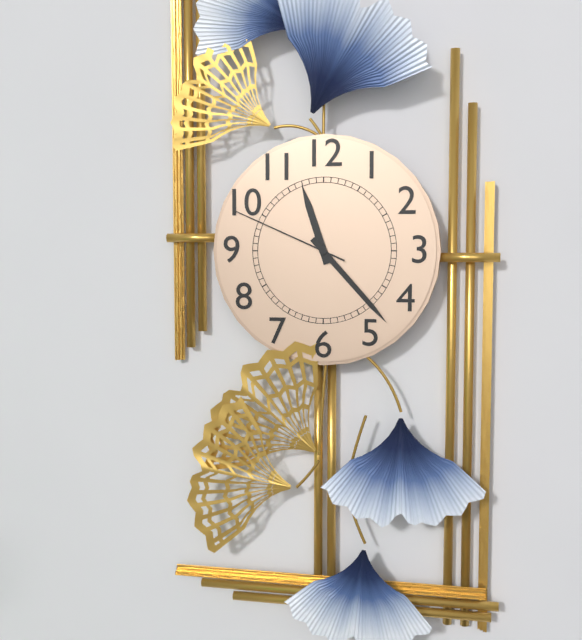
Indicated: 11 h 23 min 49 s
